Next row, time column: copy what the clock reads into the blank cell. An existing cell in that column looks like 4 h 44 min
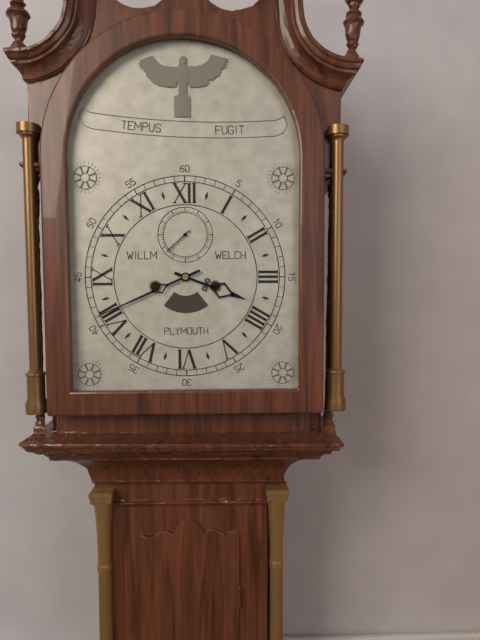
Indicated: 3 h 41 min
